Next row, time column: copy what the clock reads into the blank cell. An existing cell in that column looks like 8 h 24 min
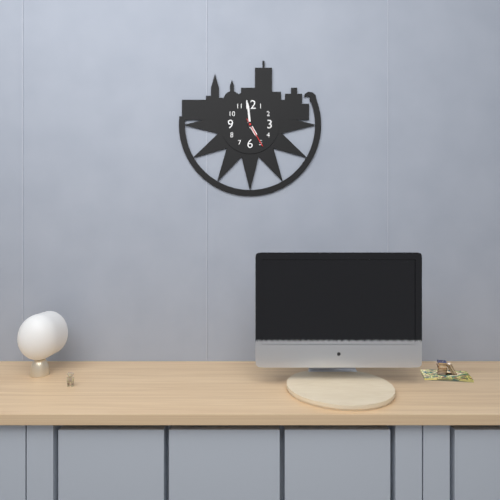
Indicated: 4 h 59 min
